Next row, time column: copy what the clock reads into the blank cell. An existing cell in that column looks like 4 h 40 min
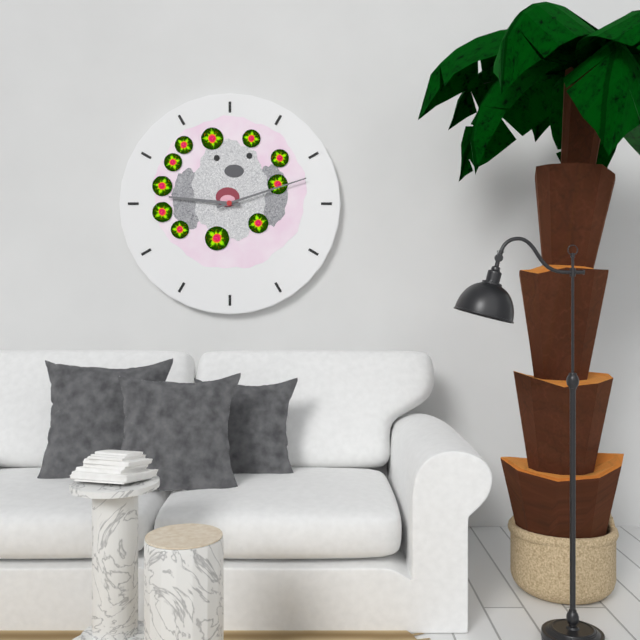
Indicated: 9 h 12 min
